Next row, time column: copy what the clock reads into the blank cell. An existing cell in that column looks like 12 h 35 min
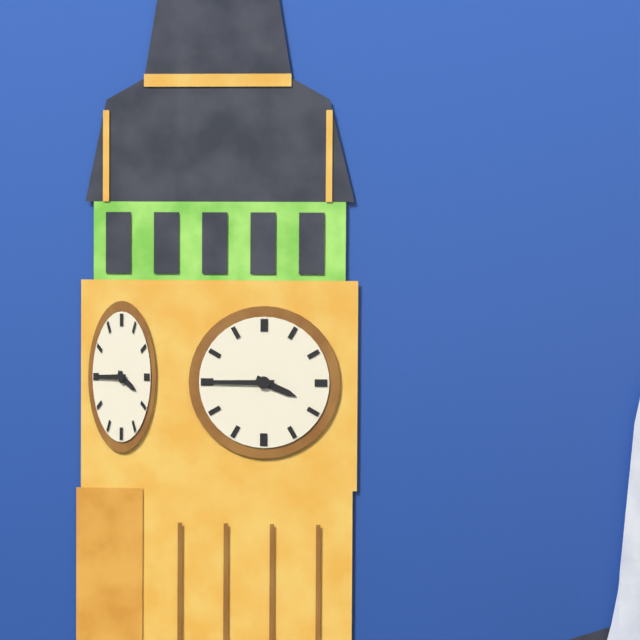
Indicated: 3 h 45 min
